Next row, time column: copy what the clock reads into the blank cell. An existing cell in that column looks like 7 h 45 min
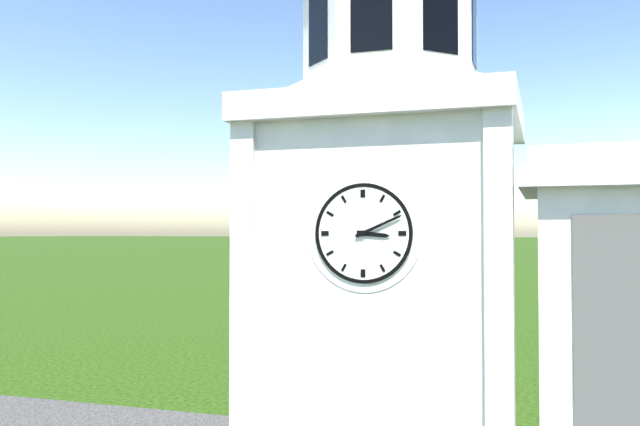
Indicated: 3 h 11 min
